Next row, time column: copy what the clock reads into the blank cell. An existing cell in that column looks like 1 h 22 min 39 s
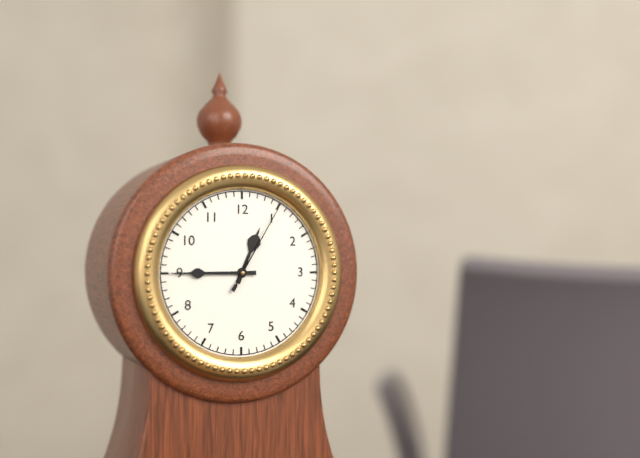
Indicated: 12 h 45 min 05 s
